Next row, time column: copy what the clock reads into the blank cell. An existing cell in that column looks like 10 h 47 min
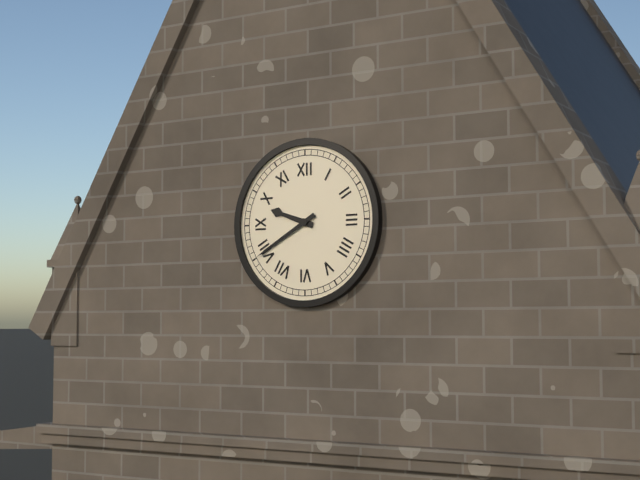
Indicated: 9 h 40 min
